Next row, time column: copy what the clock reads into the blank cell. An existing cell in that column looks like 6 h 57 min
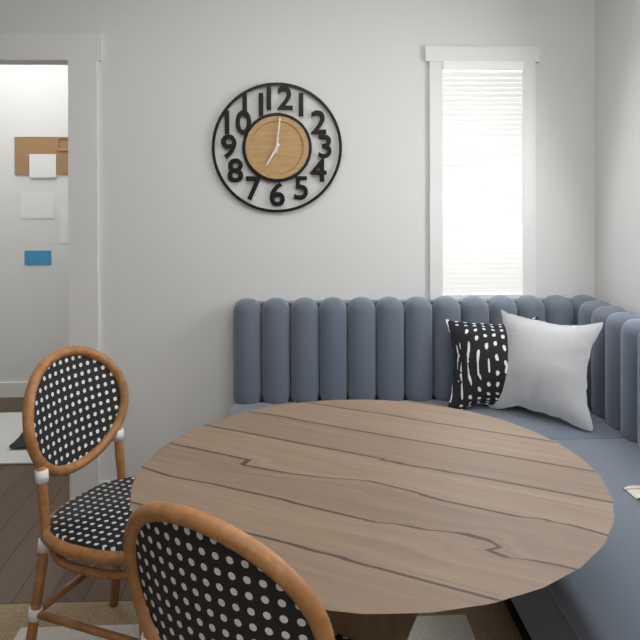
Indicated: 7 h 01 min
